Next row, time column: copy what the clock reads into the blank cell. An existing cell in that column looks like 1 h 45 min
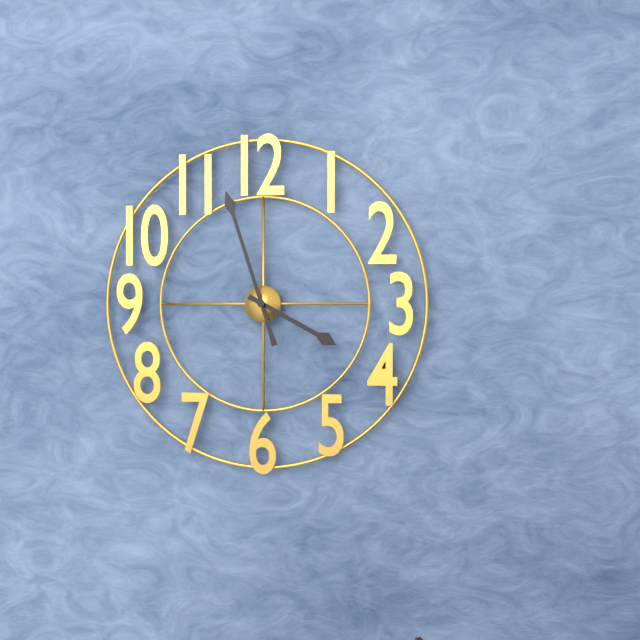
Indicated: 3 h 57 min
